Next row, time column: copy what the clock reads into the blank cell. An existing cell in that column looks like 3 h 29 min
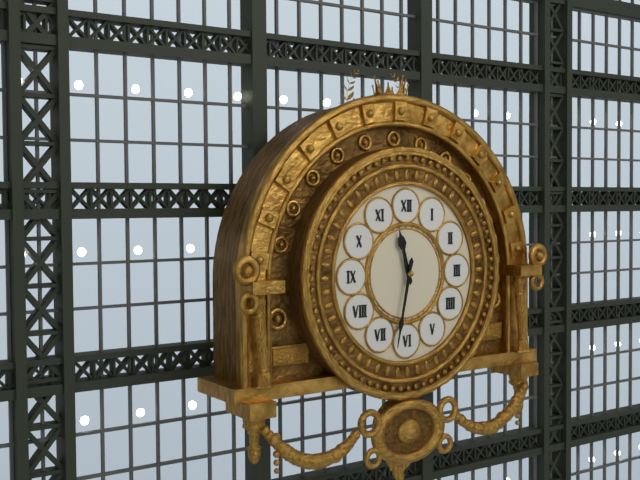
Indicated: 11 h 32 min
